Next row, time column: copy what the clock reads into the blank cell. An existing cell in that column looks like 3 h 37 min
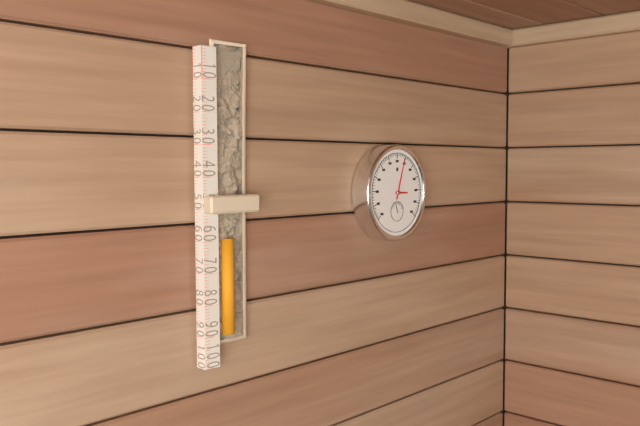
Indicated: 3 h 03 min
